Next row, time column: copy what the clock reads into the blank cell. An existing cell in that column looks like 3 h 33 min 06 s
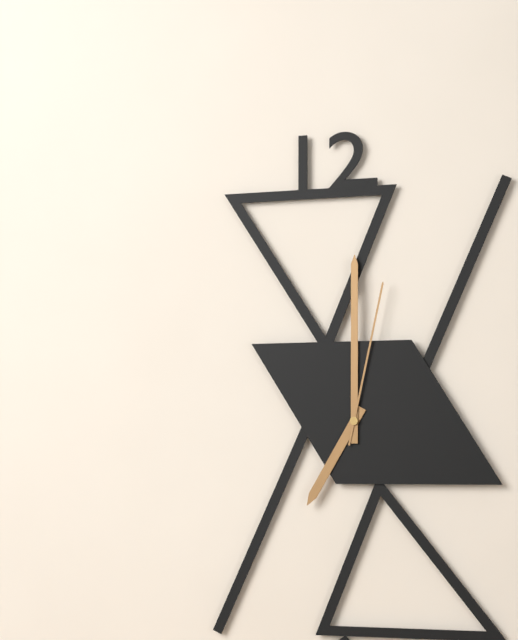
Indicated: 7 h 00 min 02 s
